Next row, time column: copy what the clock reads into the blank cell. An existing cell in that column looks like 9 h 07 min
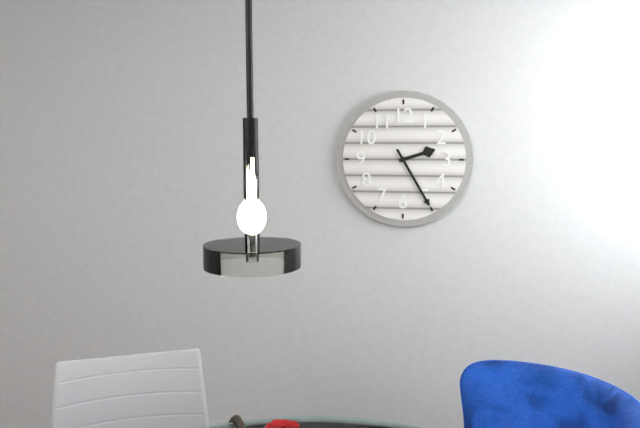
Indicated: 2 h 25 min
